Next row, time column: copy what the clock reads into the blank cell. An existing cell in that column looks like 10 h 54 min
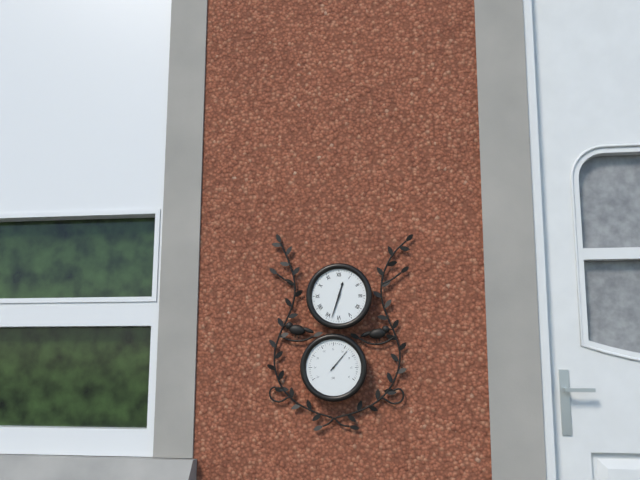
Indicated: 12 h 33 min
